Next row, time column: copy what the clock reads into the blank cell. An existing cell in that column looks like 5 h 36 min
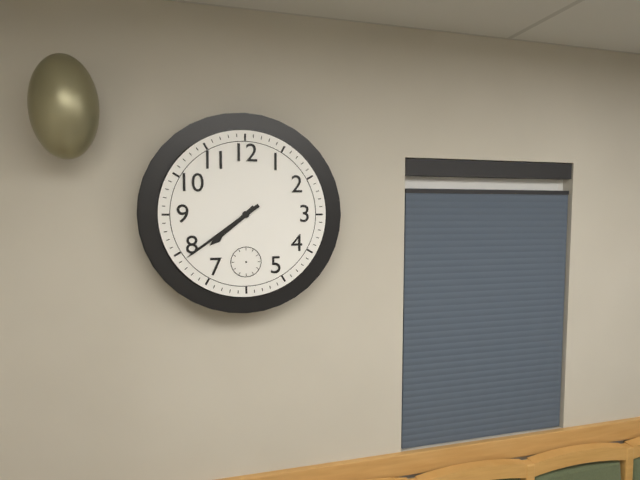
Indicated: 7 h 39 min
